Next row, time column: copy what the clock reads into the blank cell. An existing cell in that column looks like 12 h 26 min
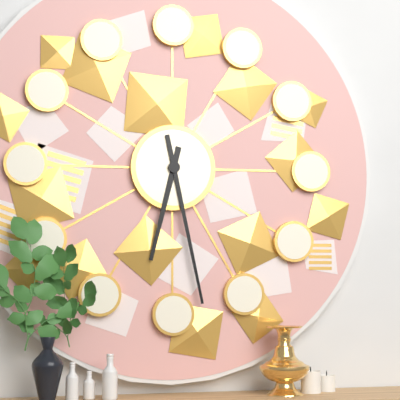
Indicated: 6 h 28 min
